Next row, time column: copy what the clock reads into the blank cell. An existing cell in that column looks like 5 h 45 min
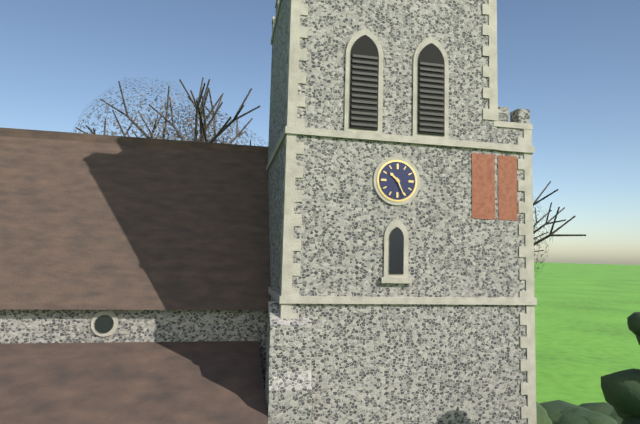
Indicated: 10 h 26 min
